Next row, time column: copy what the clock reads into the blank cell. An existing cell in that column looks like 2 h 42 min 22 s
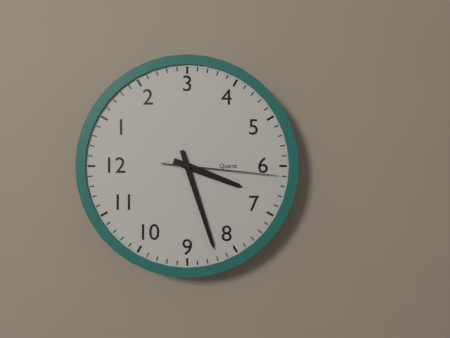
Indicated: 6 h 42 min 31 s
